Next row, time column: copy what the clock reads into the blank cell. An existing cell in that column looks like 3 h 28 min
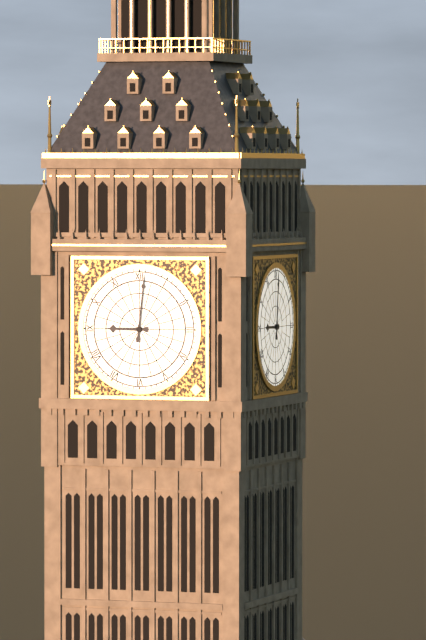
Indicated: 9 h 01 min
